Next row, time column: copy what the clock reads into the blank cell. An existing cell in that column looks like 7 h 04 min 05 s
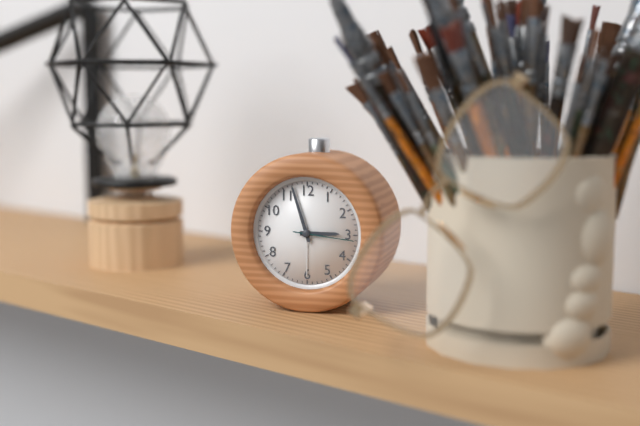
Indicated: 2 h 57 min 16 s
